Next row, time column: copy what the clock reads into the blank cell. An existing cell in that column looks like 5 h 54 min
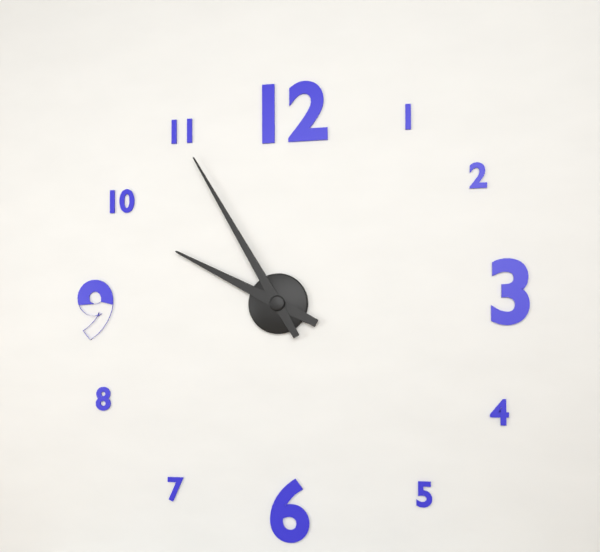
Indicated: 9 h 55 min
